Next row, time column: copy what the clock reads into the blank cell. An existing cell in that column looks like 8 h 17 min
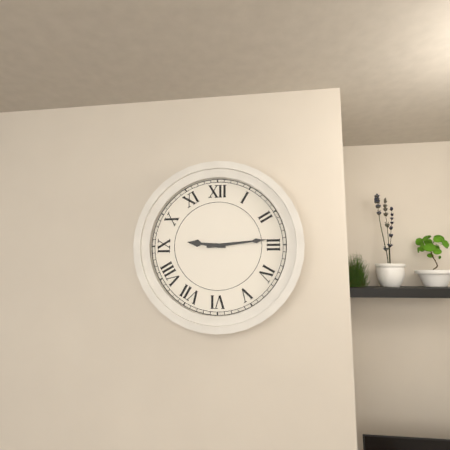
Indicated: 9 h 14 min
